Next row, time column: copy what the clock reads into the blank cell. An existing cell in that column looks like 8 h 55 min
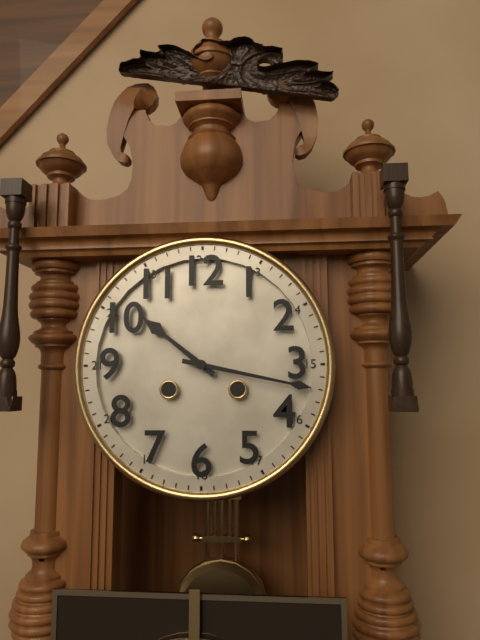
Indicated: 10 h 17 min
